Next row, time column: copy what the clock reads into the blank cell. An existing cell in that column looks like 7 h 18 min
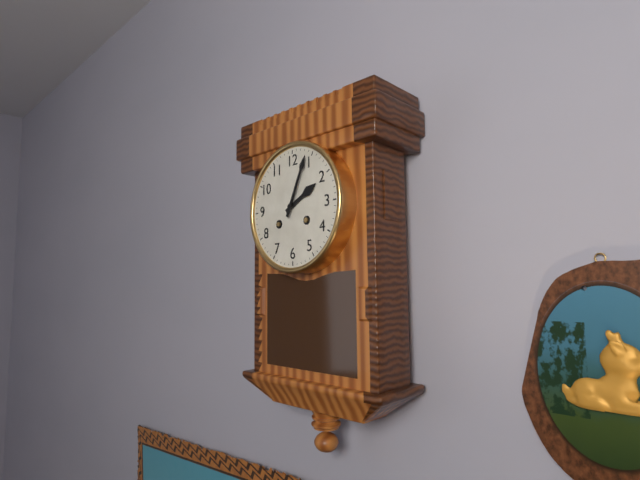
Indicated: 2 h 04 min
